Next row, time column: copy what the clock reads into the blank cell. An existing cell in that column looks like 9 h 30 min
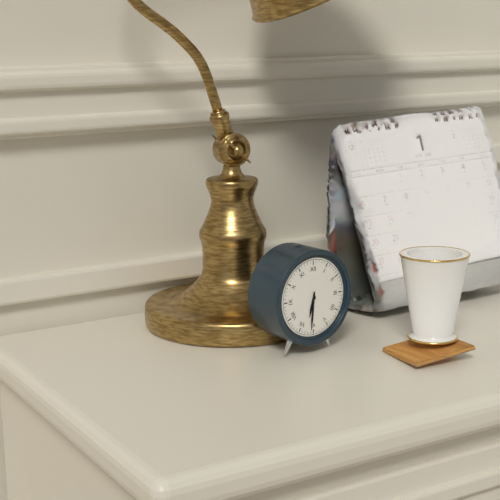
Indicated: 6 h 31 min
